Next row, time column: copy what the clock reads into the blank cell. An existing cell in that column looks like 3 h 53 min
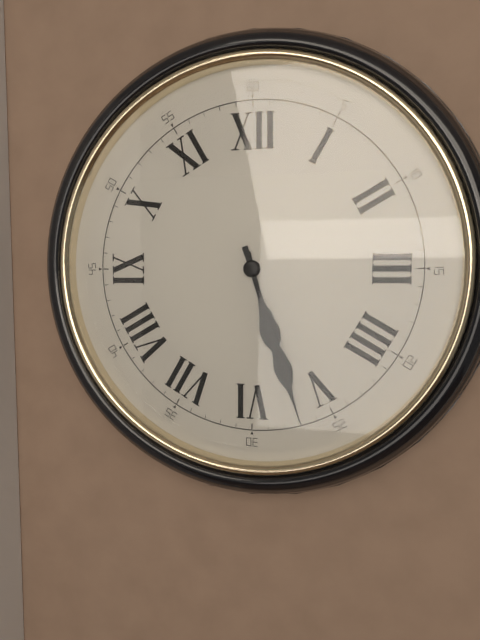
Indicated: 5 h 27 min
